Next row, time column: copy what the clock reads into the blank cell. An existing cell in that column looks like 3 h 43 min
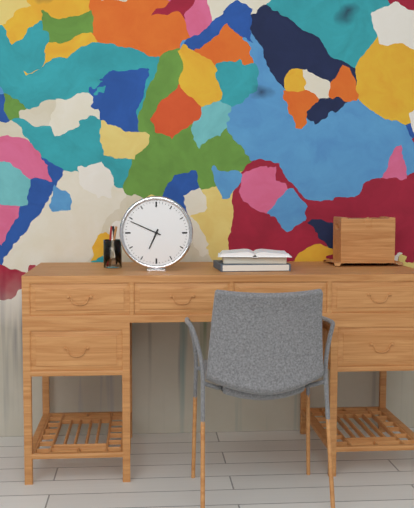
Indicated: 6 h 49 min
